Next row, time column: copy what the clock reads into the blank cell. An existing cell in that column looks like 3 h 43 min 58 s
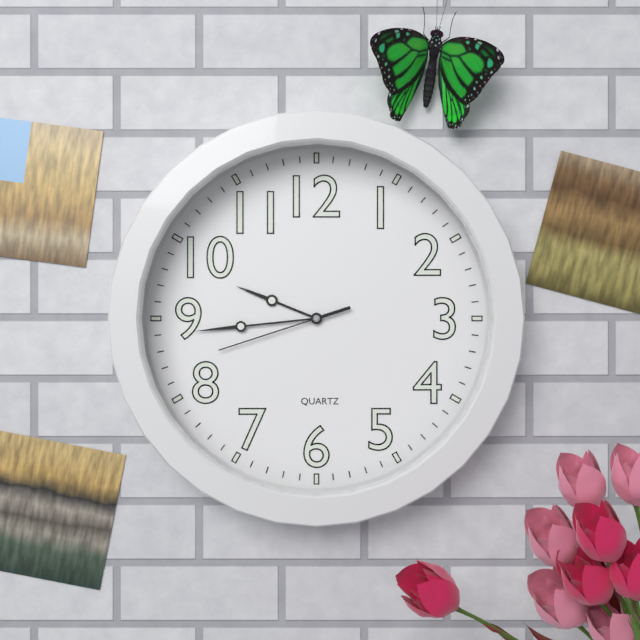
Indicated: 9 h 44 min 42 s
